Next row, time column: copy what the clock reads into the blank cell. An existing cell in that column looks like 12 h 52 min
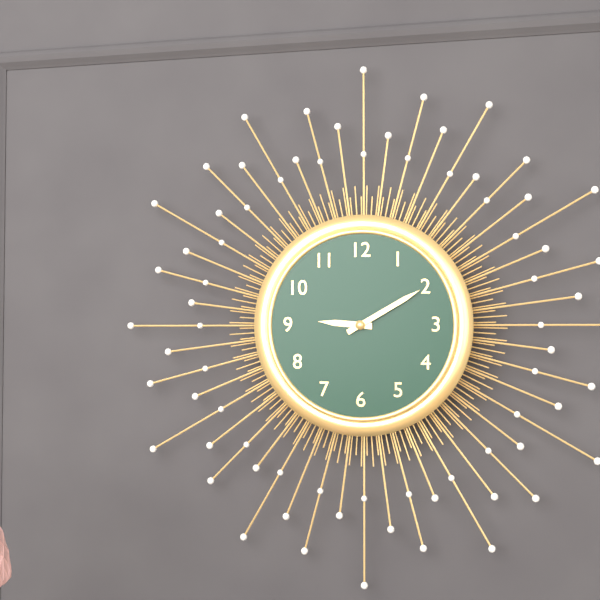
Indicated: 9 h 10 min
